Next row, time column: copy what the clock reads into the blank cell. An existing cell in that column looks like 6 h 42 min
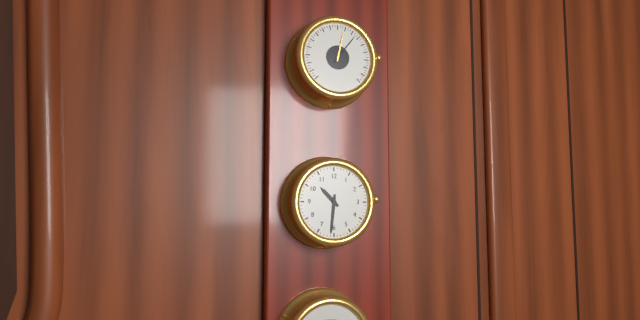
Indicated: 10 h 31 min
